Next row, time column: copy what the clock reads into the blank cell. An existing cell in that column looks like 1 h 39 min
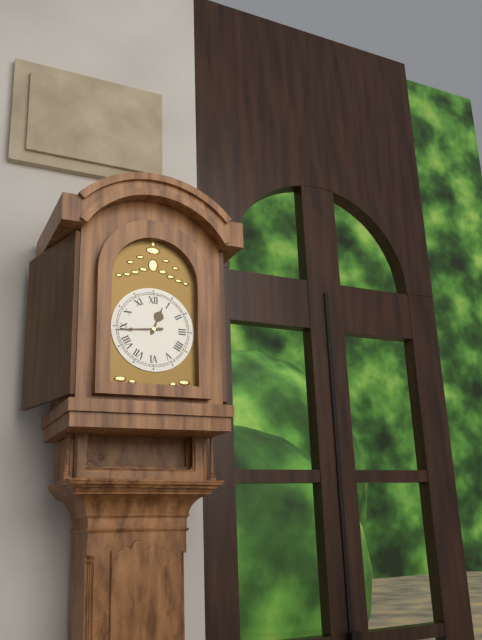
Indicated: 12 h 44 min
